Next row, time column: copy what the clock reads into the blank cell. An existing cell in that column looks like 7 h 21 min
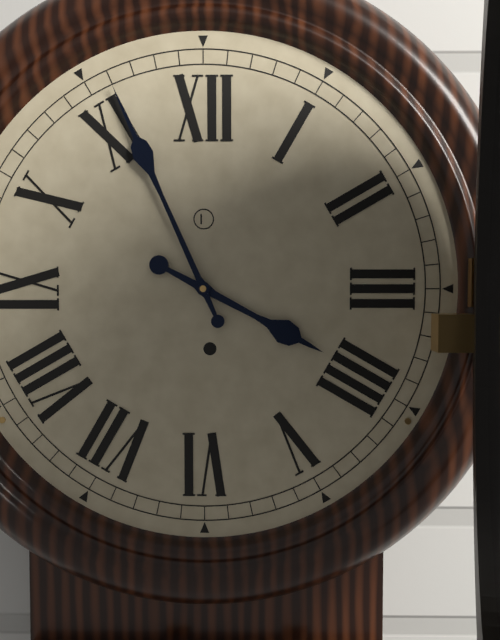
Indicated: 3 h 56 min
